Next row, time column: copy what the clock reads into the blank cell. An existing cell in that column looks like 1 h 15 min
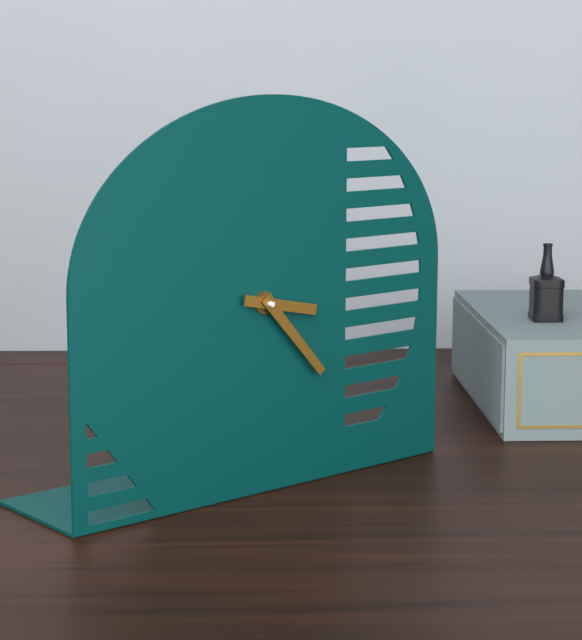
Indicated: 3 h 23 min
